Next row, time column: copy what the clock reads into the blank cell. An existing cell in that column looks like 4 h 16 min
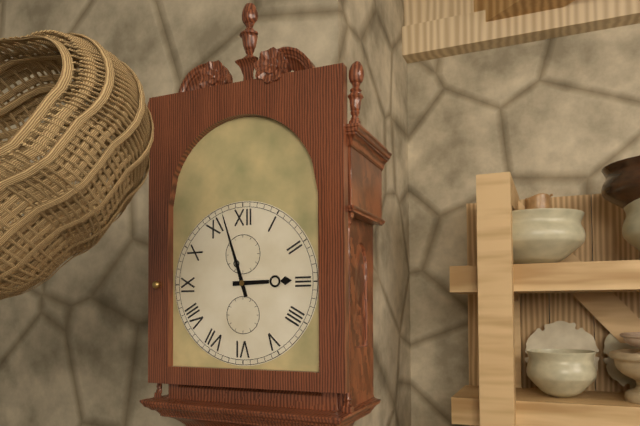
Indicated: 2 h 57 min
